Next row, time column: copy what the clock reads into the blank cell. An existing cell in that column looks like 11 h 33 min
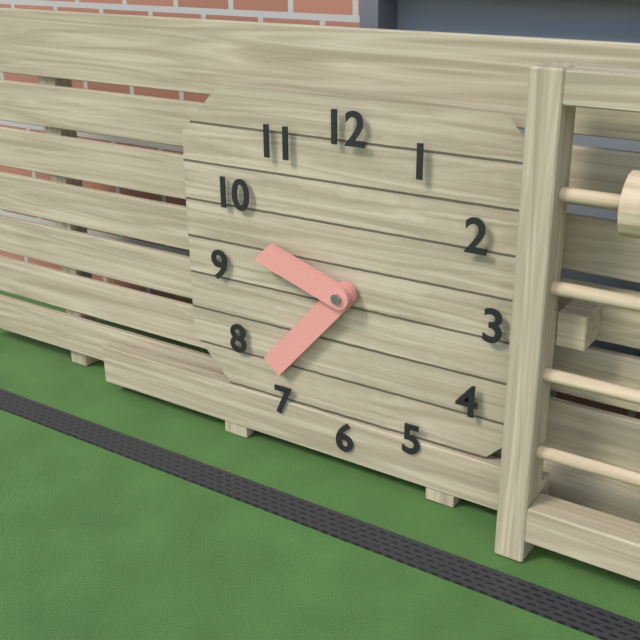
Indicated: 9 h 37 min
